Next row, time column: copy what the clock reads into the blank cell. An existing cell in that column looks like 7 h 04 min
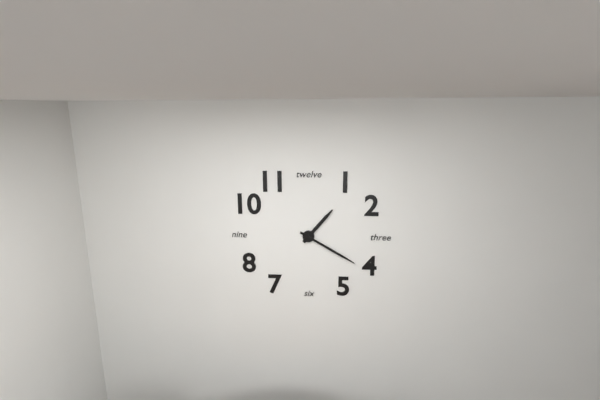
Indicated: 1 h 20 min
